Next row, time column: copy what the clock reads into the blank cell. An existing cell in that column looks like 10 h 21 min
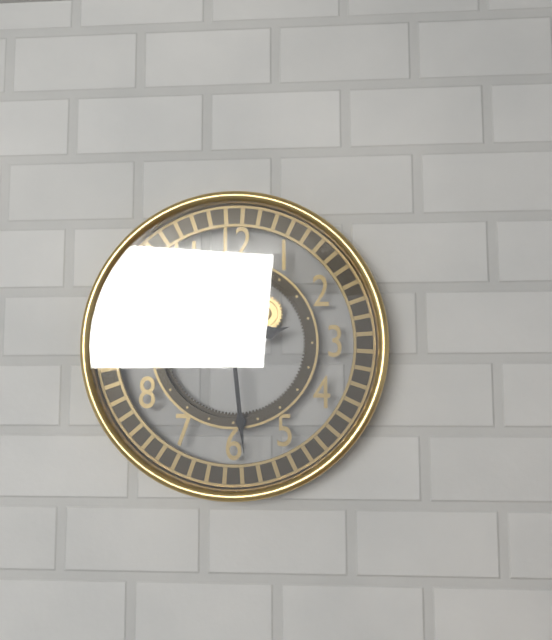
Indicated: 2 h 29 min
